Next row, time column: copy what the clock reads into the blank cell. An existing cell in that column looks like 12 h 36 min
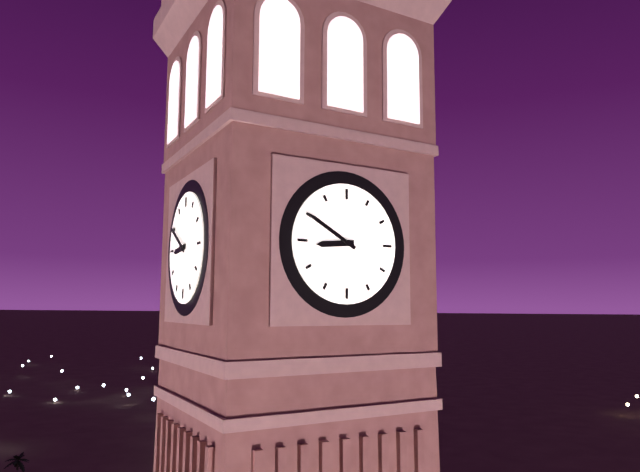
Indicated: 8 h 50 min
